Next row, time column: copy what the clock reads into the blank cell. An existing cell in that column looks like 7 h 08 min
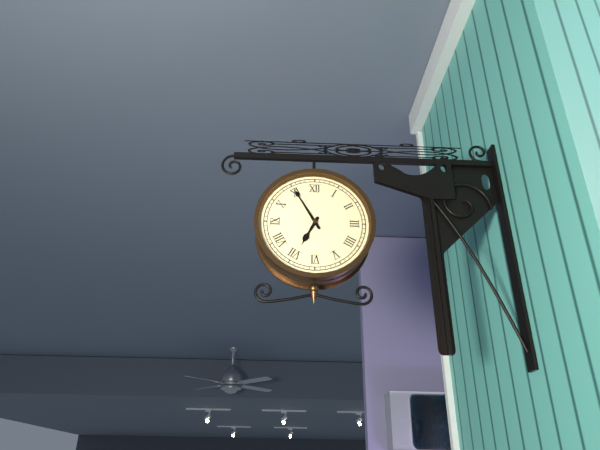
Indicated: 6 h 55 min
